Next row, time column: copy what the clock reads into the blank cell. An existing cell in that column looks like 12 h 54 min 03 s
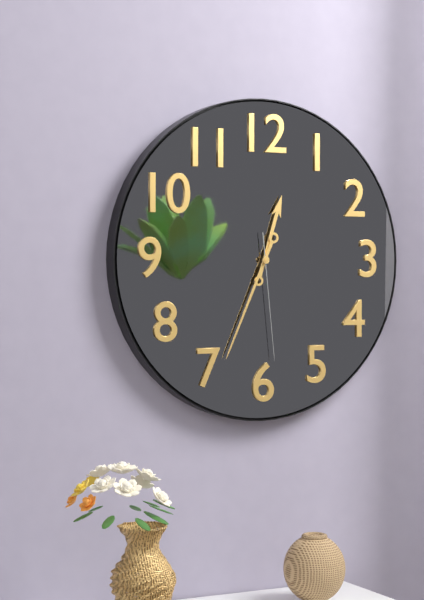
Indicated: 12 h 34 min 29 s
